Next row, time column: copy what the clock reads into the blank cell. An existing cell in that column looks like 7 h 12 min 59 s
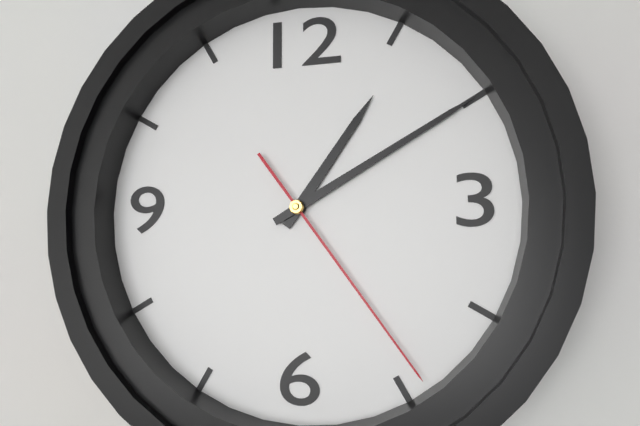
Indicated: 1 h 10 min 24 s
